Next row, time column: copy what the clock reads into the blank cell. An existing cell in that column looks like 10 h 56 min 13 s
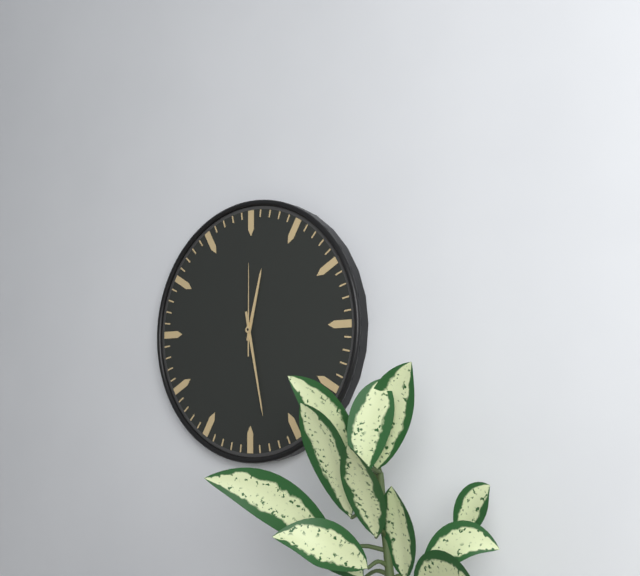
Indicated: 12 h 28 min 00 s
